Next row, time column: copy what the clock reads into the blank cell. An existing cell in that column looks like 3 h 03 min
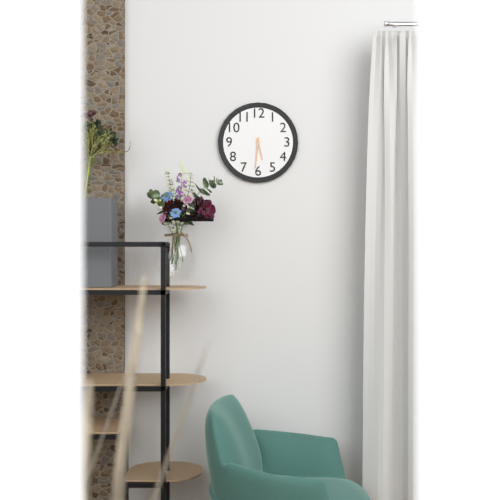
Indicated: 5 h 31 min
